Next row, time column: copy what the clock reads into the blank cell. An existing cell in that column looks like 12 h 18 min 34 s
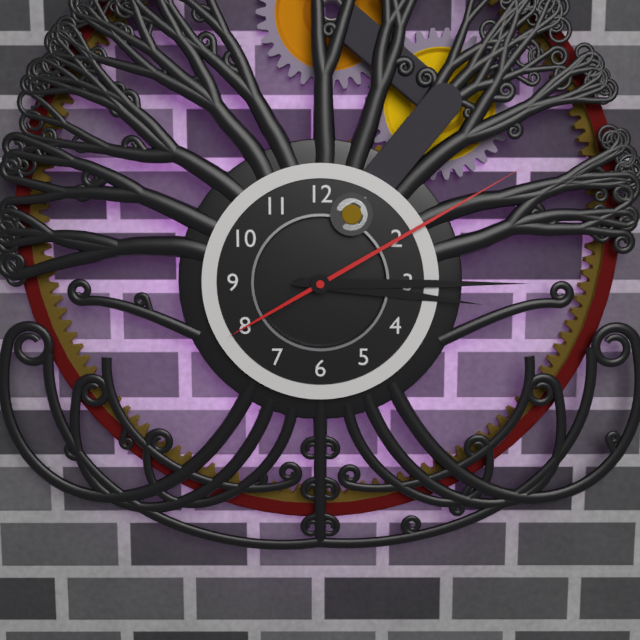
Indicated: 3 h 15 min 10 s
